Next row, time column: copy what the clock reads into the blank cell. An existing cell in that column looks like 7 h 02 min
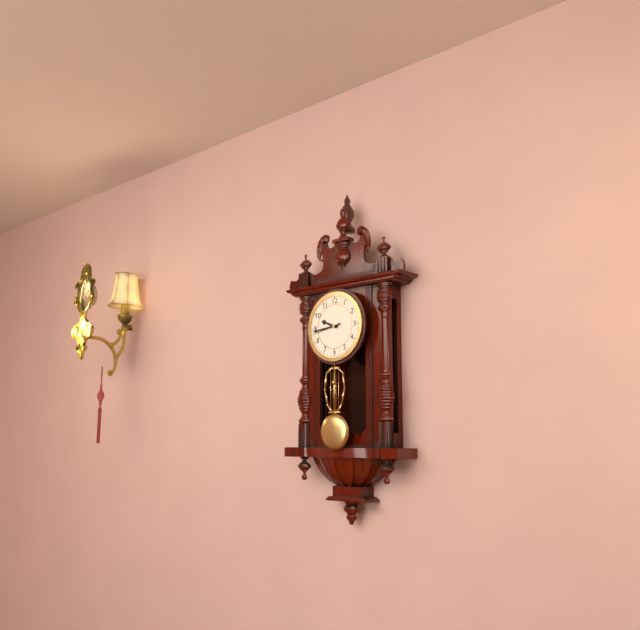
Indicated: 9 h 44 min
